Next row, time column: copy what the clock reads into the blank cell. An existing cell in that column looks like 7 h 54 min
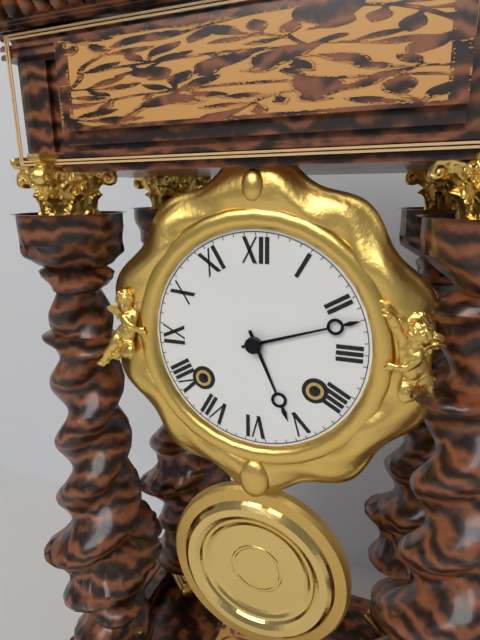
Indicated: 5 h 12 min
